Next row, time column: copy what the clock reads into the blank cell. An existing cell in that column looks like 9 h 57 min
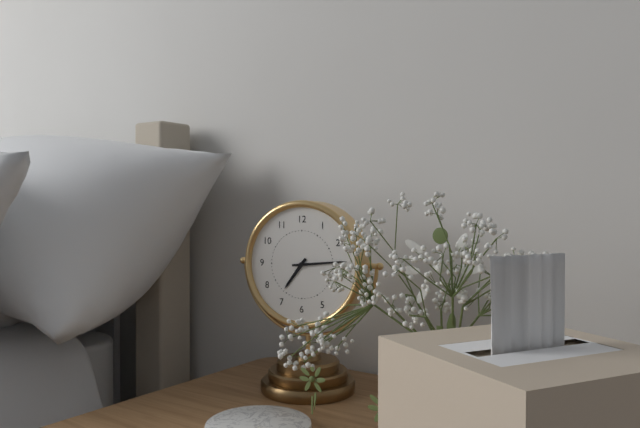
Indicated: 7 h 14 min
